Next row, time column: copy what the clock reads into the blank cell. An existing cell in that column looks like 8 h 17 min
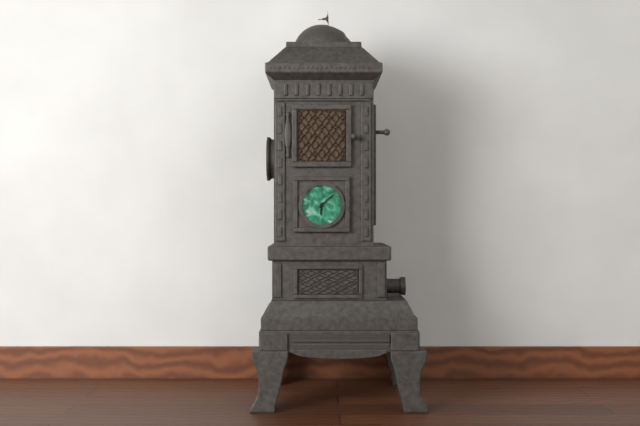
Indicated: 6 h 08 min
